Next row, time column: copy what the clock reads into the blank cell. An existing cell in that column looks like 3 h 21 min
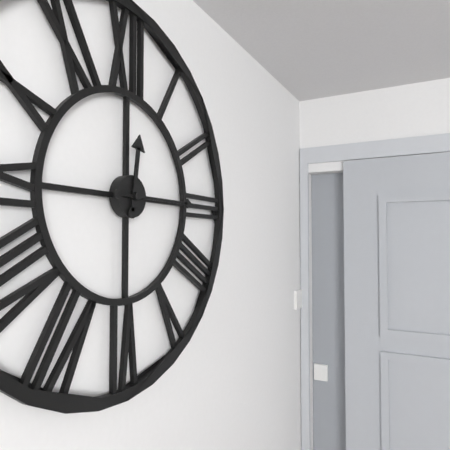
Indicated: 12 h 15 min
